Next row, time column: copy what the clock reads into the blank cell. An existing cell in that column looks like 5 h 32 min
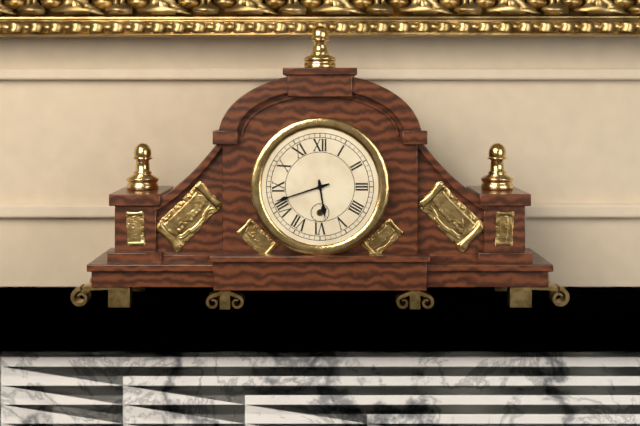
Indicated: 5 h 42 min
